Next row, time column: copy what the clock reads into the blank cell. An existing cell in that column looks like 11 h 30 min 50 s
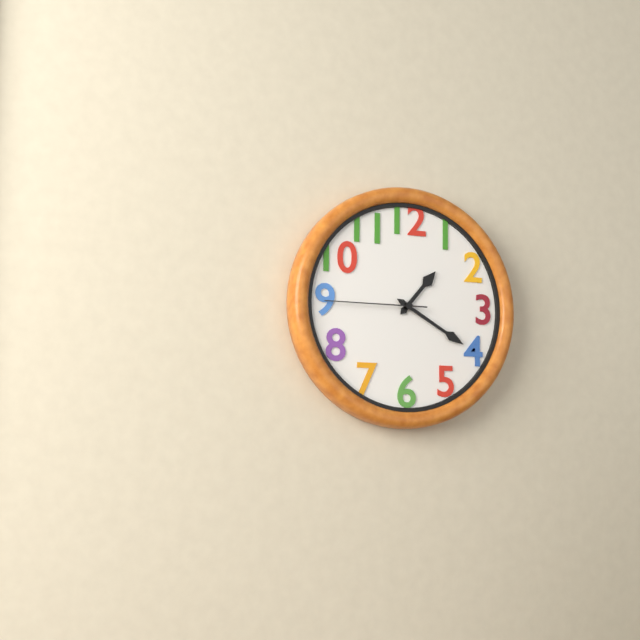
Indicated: 1 h 20 min 45 s
